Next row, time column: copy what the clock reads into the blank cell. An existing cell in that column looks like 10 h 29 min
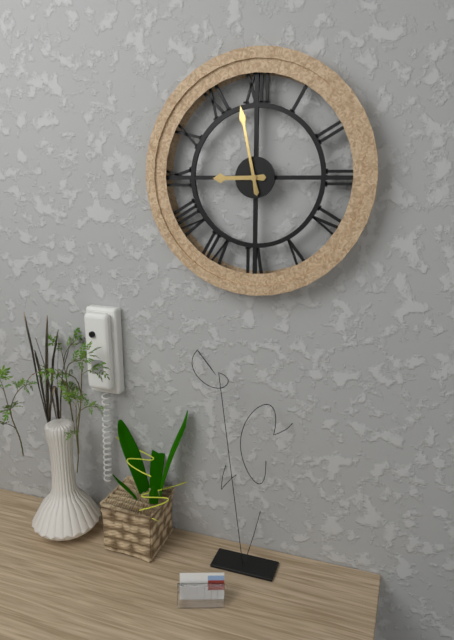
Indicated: 8 h 58 min
